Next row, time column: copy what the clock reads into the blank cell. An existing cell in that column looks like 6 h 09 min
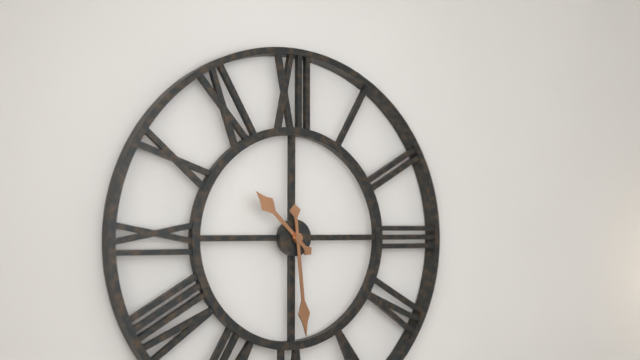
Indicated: 10 h 29 min
